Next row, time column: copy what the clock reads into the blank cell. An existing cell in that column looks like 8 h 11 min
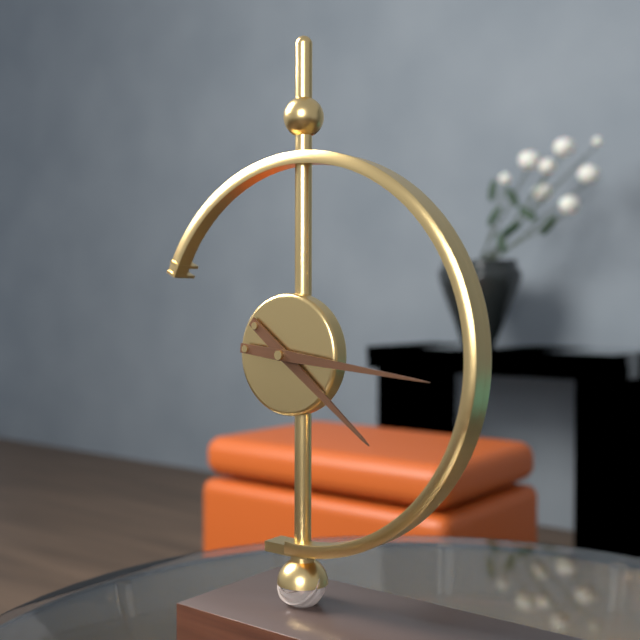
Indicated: 4 h 16 min
